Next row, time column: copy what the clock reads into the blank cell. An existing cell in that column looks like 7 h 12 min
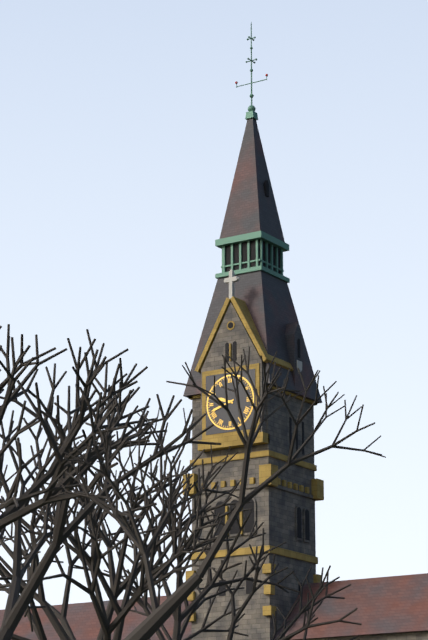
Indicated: 9 h 42 min
